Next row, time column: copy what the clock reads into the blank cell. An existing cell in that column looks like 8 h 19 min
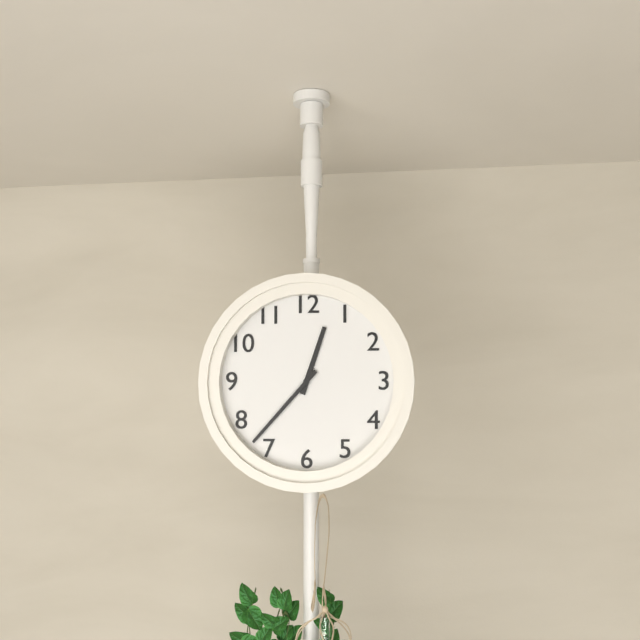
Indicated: 12 h 37 min
